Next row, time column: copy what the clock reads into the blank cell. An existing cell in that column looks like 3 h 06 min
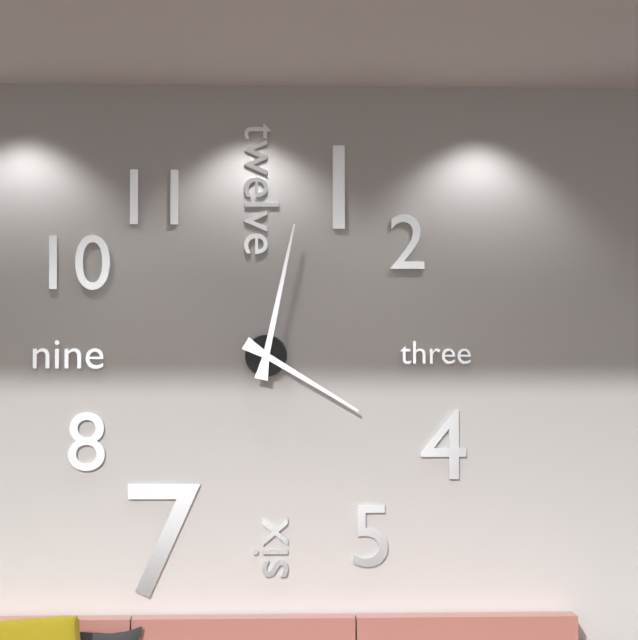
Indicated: 4 h 02 min
